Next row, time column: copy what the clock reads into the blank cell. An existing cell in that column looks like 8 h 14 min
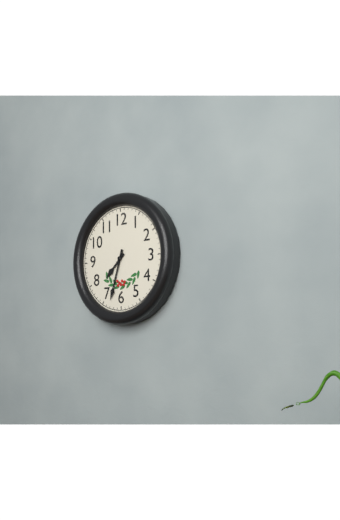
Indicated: 7 h 33 min
